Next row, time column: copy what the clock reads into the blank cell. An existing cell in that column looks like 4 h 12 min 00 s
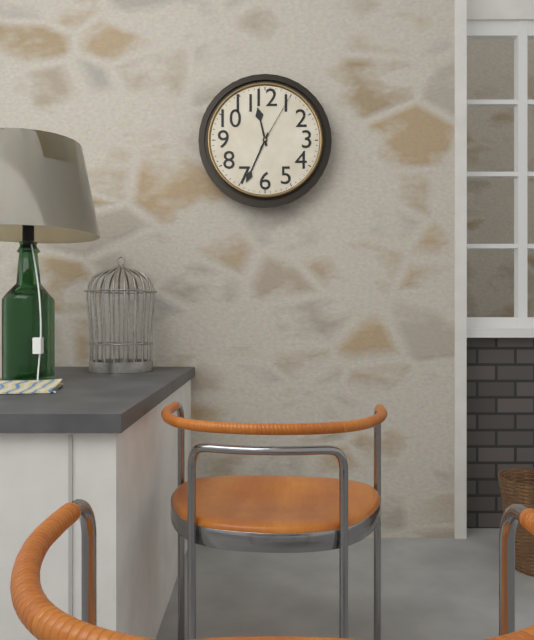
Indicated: 11 h 34 min 05 s
